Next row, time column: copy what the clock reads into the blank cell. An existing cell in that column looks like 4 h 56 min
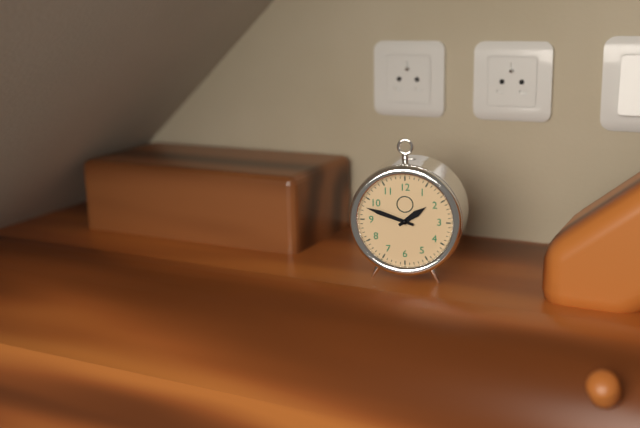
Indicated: 1 h 48 min
